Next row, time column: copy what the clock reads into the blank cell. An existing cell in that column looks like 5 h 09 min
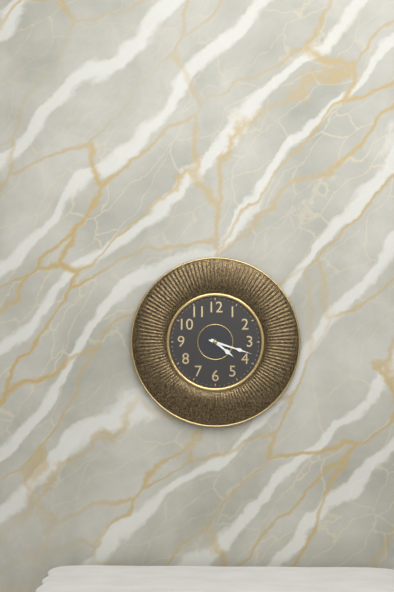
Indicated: 4 h 18 min
